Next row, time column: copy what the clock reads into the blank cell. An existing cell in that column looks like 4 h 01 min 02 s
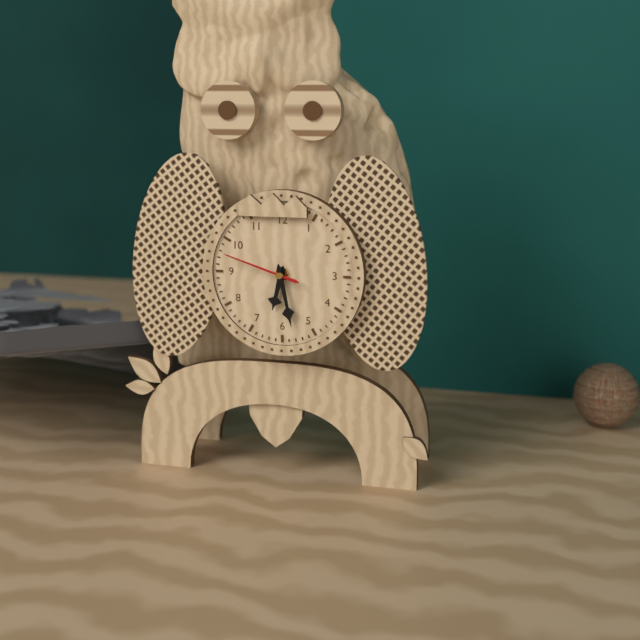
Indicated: 6 h 28 min 48 s
